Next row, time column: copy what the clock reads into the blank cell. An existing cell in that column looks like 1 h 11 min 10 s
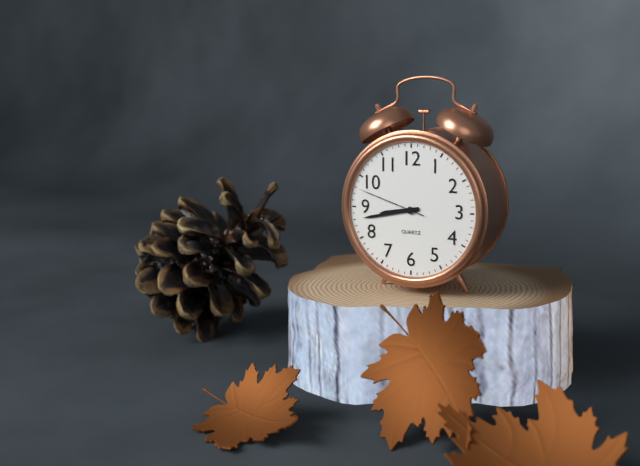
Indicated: 8 h 43 min 48 s
